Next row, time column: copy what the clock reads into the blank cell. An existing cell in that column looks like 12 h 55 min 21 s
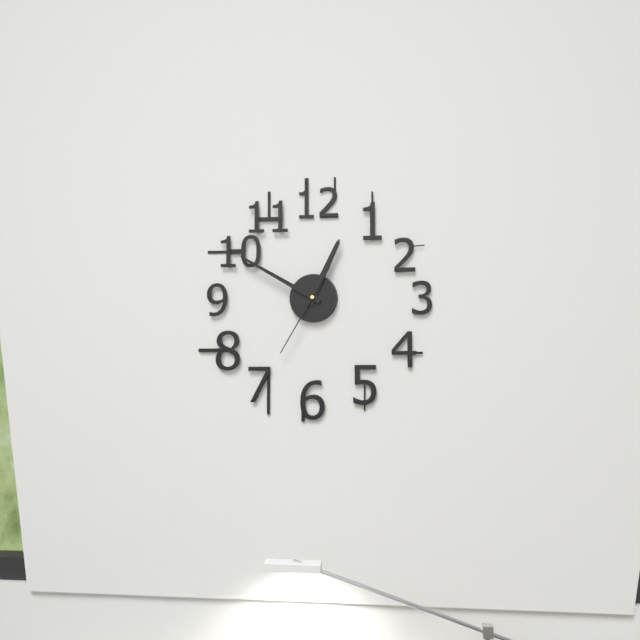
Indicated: 12 h 50 min 35 s
